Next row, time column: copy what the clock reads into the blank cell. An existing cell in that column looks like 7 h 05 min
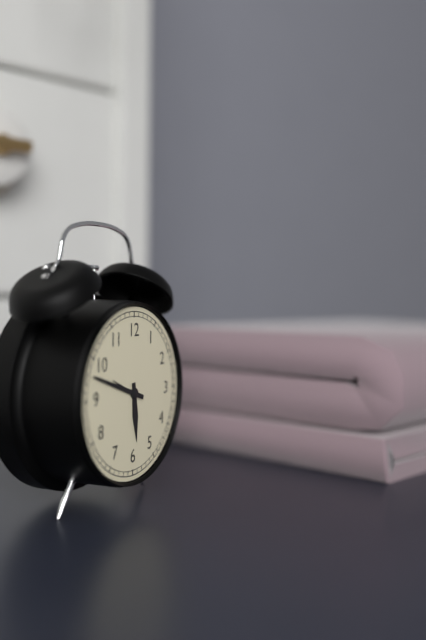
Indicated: 5 h 48 min
